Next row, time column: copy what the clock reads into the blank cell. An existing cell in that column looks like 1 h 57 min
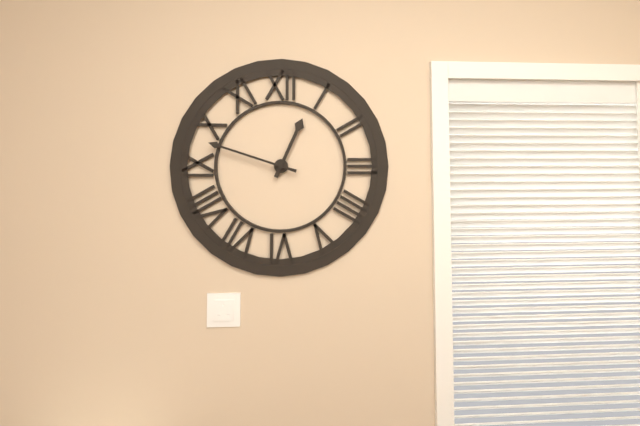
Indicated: 12 h 48 min
